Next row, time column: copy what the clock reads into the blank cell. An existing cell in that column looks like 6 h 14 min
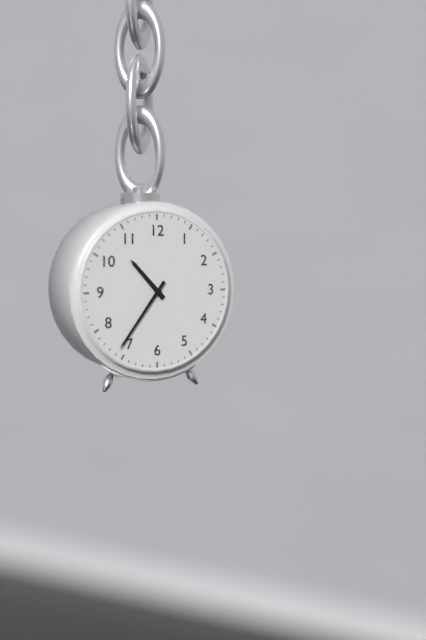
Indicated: 10 h 36 min
